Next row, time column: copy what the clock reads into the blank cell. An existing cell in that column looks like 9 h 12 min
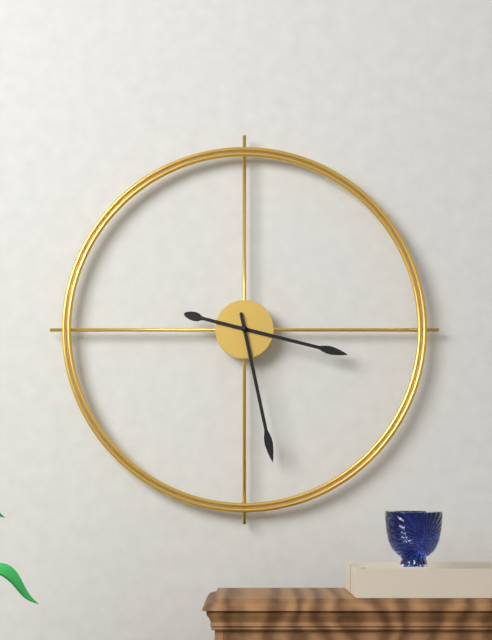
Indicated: 3 h 28 min
